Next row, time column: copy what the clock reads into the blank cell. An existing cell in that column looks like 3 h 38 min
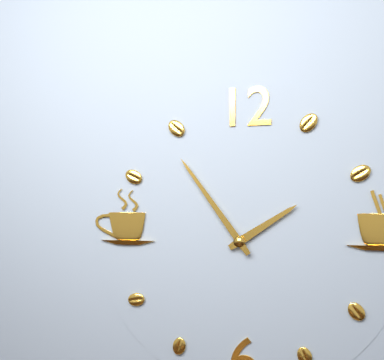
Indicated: 1 h 54 min
